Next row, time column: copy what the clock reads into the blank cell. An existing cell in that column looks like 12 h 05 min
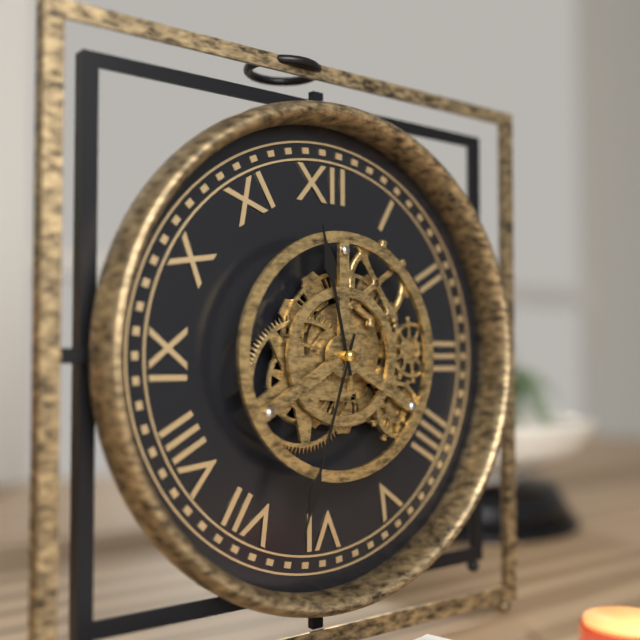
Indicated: 11 h 33 min
